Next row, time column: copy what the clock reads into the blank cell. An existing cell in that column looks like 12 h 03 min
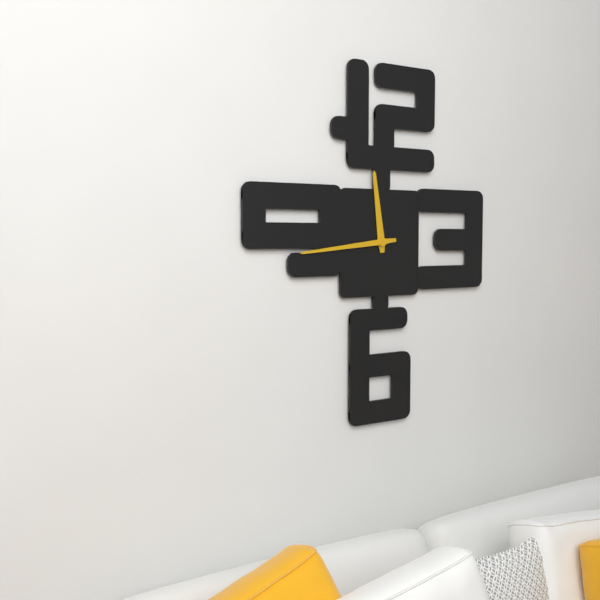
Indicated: 11 h 44 min
